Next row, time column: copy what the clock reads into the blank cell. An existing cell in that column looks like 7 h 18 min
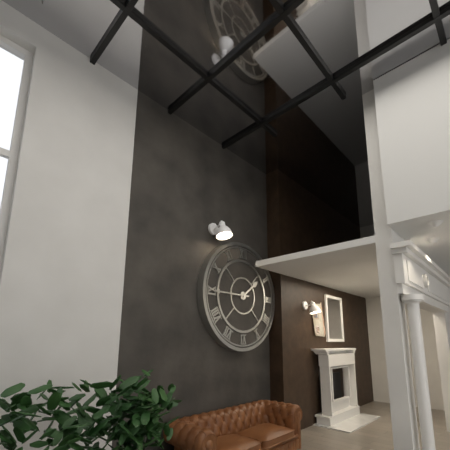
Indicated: 1 h 45 min
